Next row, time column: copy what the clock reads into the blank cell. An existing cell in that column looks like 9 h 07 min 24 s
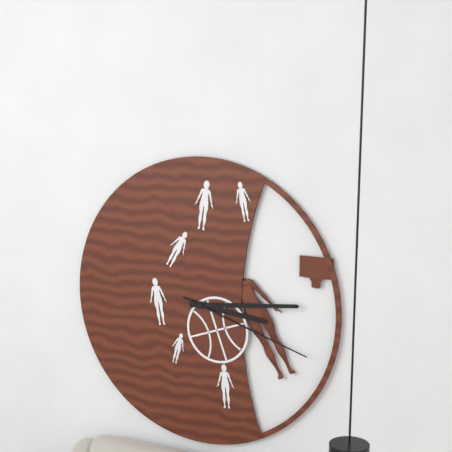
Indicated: 3 h 14 min 18 s
